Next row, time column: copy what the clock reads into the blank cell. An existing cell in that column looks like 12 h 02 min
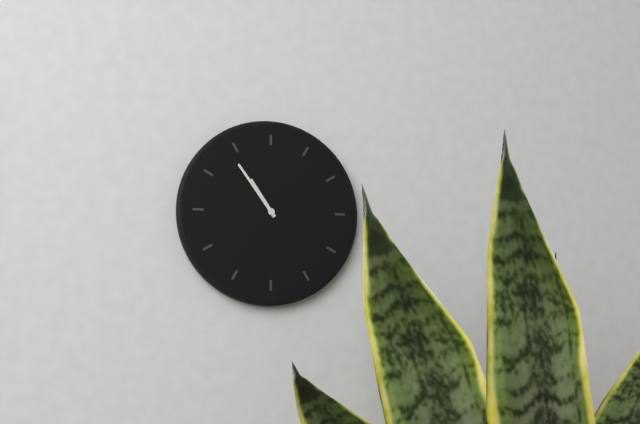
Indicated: 10 h 54 min
